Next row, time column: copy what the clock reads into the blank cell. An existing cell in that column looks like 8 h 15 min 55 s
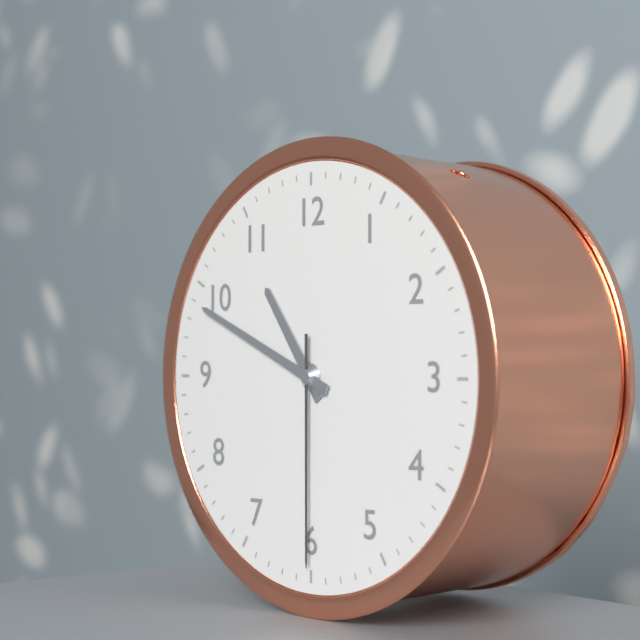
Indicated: 10 h 49 min 30 s
